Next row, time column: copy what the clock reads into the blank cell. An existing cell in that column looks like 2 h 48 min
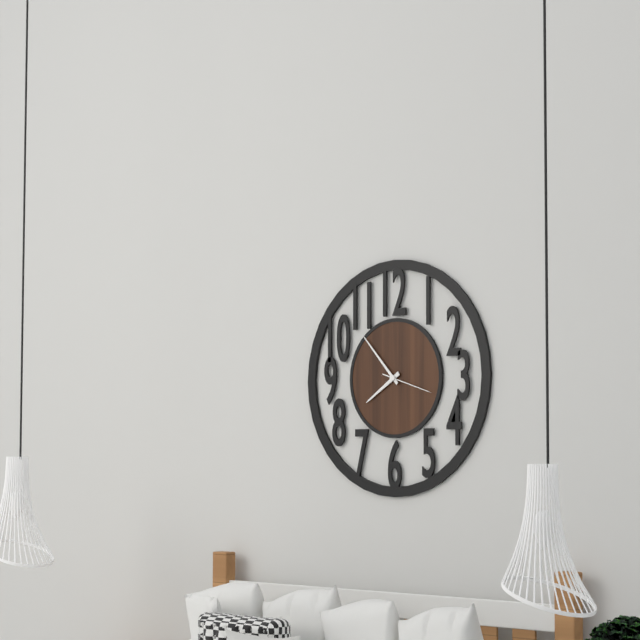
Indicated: 7 h 53 min
